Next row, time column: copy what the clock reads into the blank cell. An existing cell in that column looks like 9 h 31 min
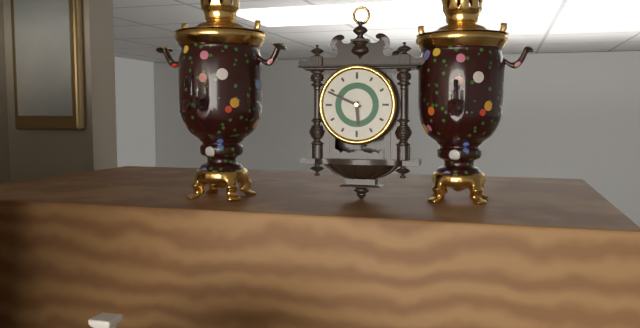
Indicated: 5 h 49 min
